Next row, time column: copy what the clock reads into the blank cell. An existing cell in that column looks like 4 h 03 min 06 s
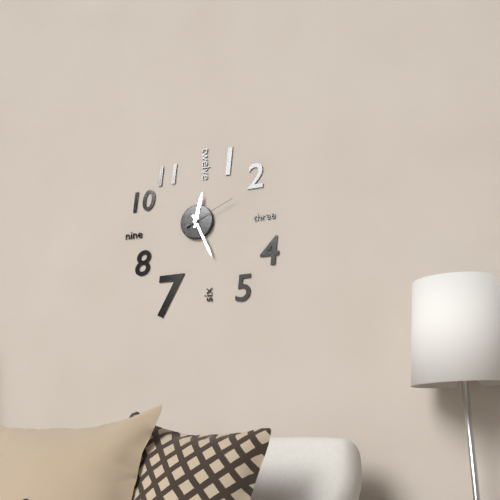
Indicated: 12 h 26 min 11 s
